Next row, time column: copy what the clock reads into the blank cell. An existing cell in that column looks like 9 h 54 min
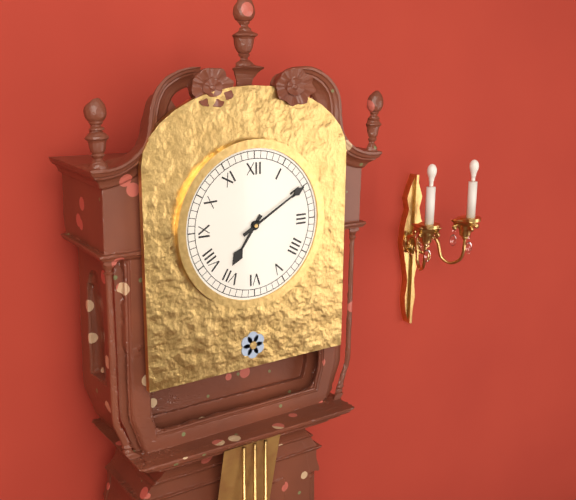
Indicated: 7 h 10 min
